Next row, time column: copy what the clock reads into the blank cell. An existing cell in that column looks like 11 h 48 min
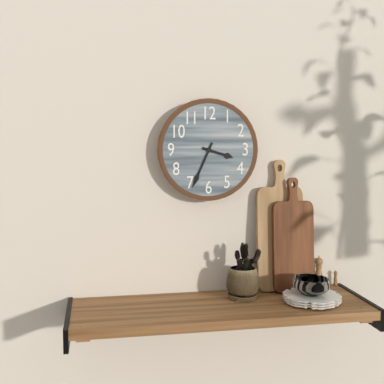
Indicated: 3 h 34 min
